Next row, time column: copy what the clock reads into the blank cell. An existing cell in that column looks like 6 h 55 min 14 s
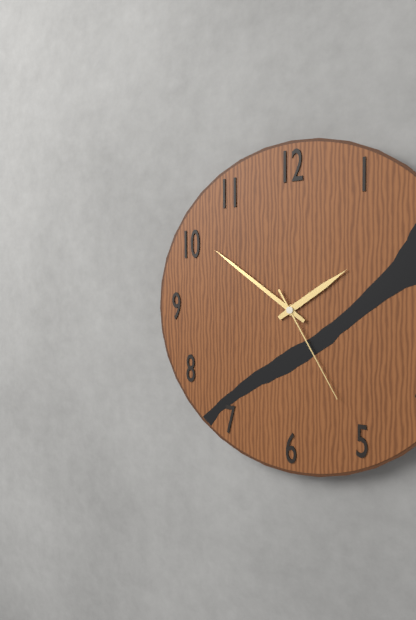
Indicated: 1 h 51 min 25 s
